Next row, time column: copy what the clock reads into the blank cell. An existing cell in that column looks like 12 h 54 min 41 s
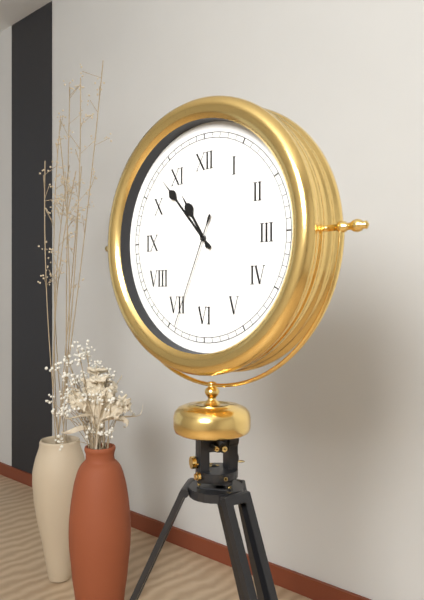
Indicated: 10 h 53 min 34 s
